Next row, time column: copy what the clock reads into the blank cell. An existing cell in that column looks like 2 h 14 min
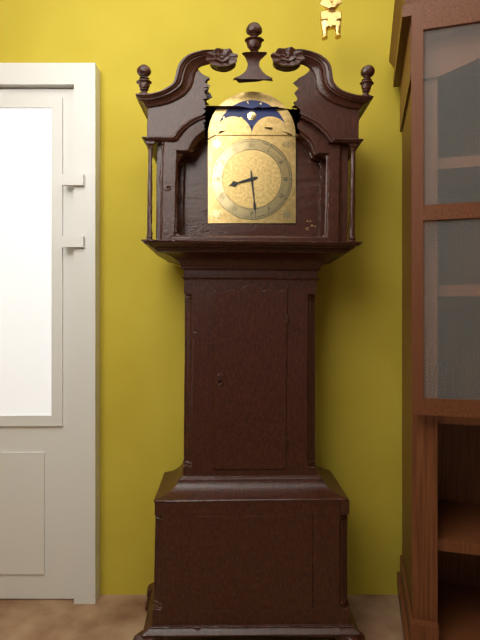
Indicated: 8 h 29 min
